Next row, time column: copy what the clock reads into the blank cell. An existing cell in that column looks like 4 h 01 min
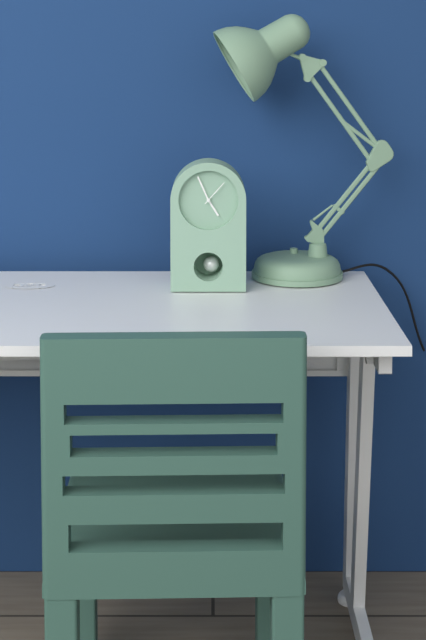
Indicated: 4 h 56 min
